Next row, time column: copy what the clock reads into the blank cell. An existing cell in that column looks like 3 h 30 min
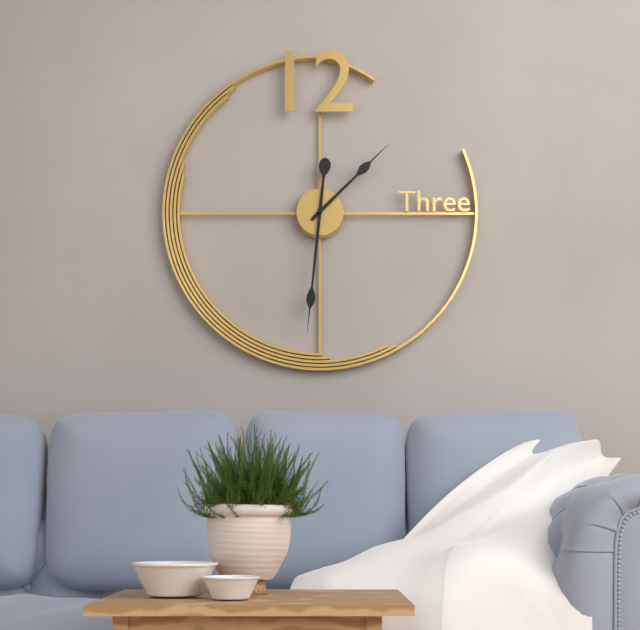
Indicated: 1 h 31 min
